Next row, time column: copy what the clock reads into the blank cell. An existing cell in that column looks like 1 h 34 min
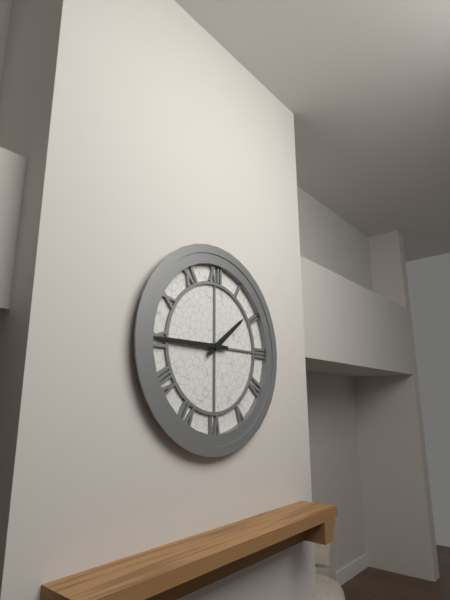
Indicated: 1 h 45 min
